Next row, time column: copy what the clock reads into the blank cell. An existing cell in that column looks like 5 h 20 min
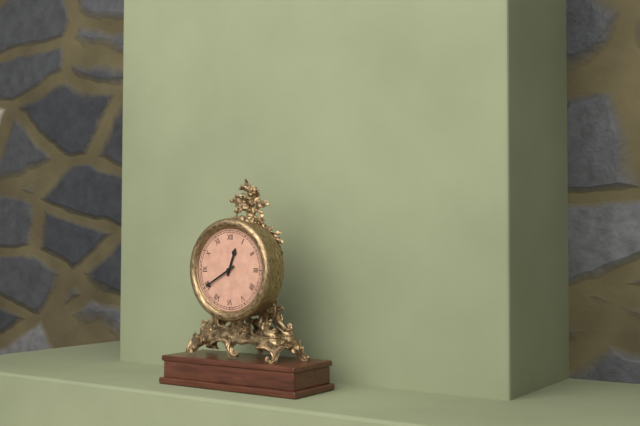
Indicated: 12 h 40 min
